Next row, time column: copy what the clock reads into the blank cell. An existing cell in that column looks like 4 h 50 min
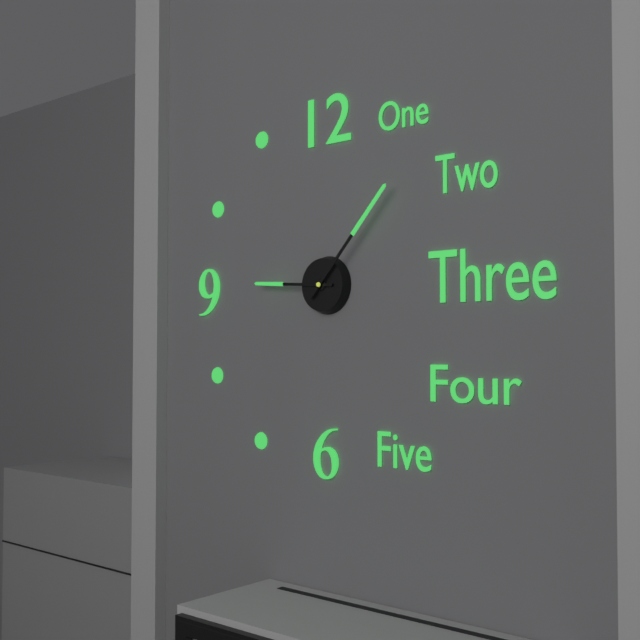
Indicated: 9 h 07 min
